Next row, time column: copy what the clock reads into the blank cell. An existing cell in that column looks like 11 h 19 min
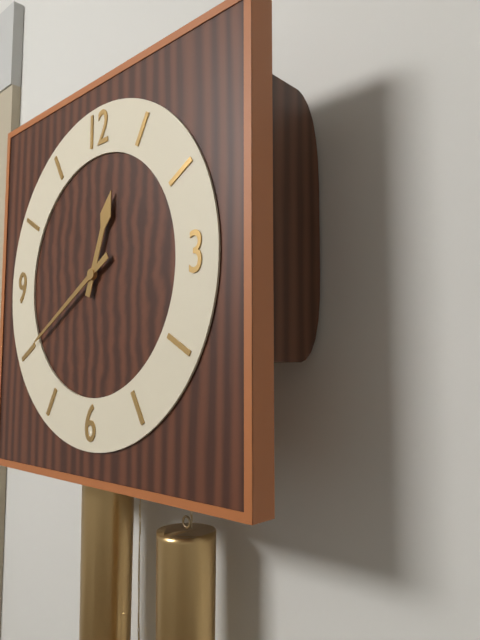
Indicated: 12 h 40 min
